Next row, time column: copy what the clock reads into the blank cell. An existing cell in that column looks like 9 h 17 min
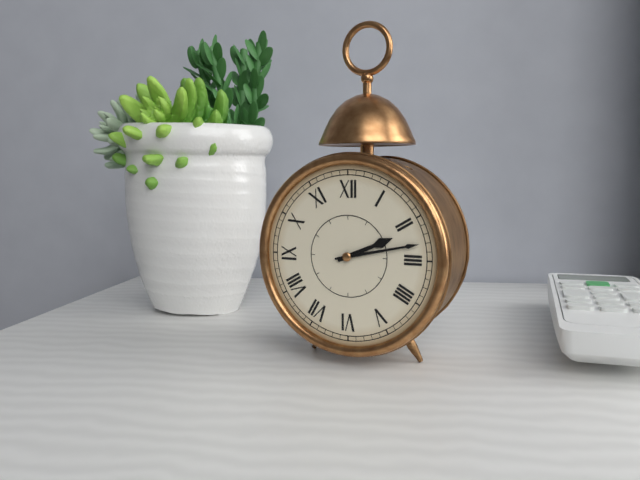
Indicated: 2 h 13 min
